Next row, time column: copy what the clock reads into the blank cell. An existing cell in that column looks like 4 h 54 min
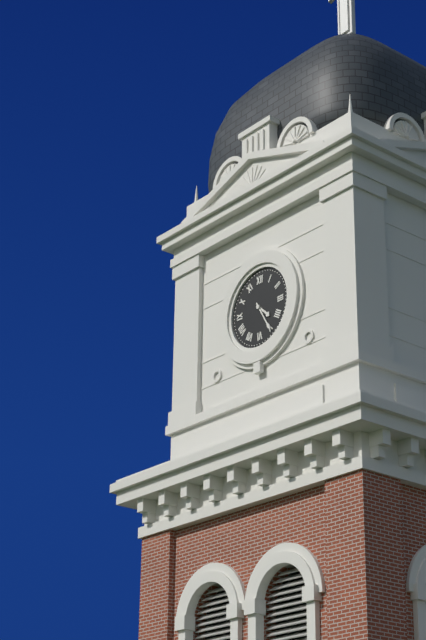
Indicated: 4 h 25 min
